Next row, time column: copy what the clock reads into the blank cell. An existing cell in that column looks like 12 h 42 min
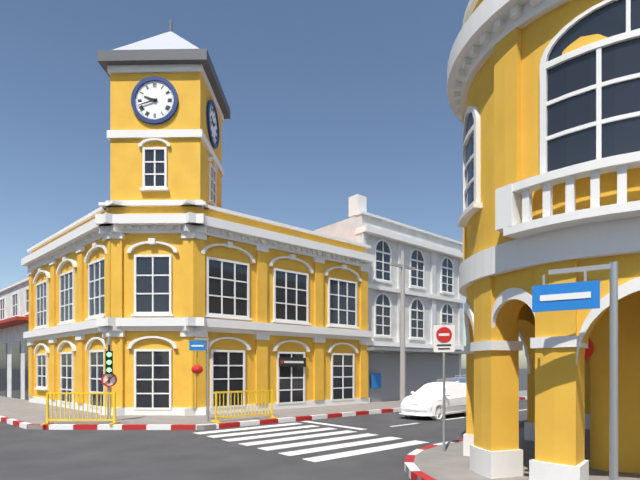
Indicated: 9 h 42 min
